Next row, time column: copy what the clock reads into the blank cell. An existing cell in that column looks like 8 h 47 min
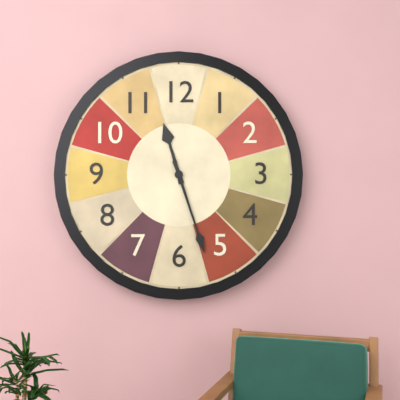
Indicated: 11 h 27 min
